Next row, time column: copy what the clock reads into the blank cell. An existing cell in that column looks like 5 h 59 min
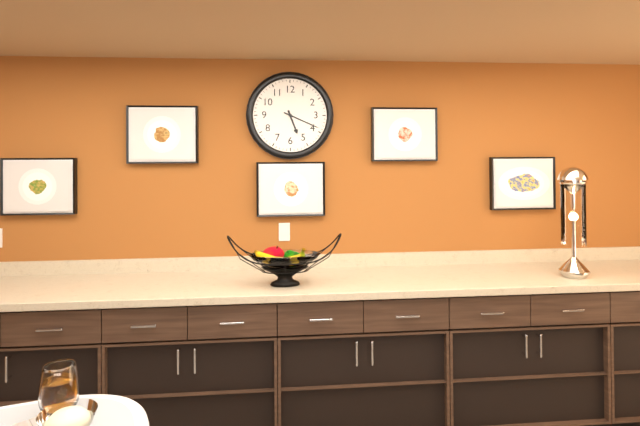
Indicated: 5 h 19 min
